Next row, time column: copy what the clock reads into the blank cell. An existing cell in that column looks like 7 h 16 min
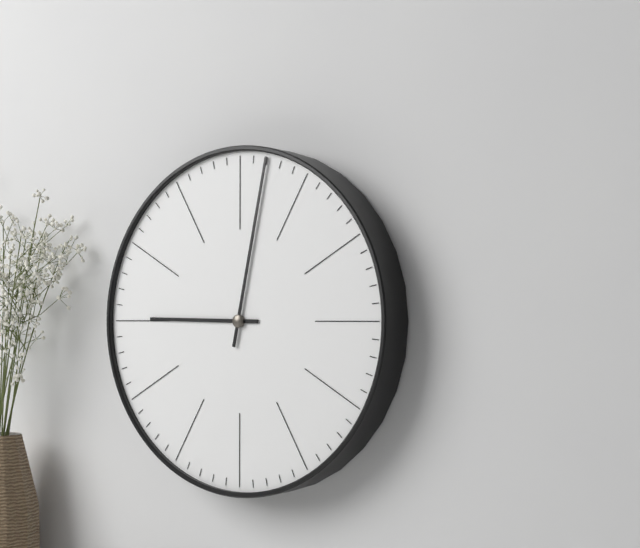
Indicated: 9 h 02 min
